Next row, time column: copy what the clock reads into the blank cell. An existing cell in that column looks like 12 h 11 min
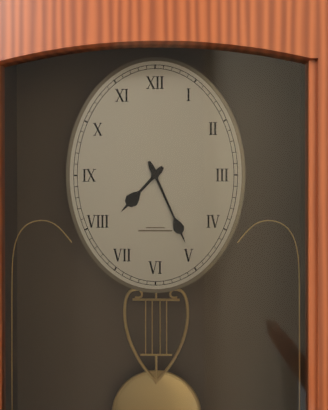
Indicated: 7 h 26 min
